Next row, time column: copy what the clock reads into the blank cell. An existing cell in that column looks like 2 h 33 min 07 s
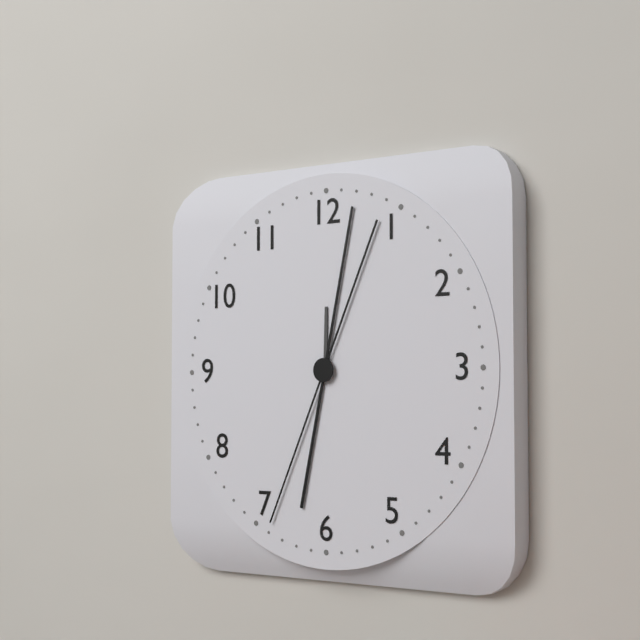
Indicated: 12 h 02 min 34 s
